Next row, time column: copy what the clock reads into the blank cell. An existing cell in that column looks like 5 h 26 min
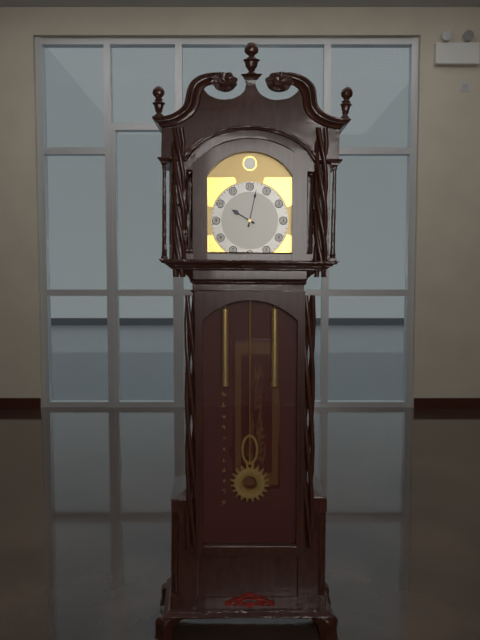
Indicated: 10 h 02 min
